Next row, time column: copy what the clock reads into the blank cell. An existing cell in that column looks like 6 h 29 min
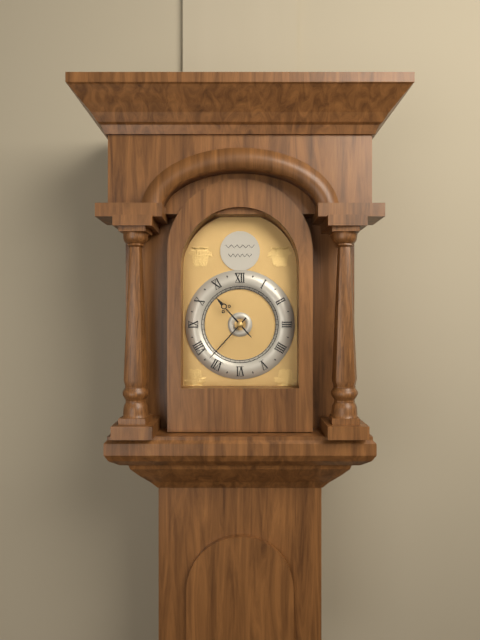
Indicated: 10 h 37 min
